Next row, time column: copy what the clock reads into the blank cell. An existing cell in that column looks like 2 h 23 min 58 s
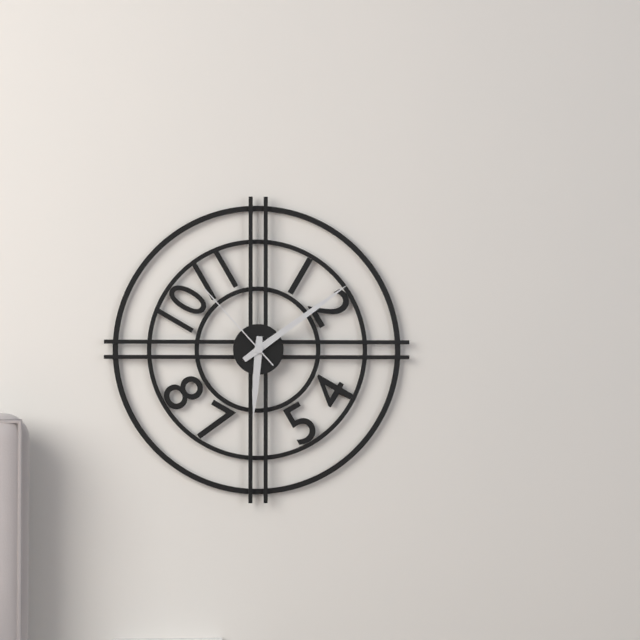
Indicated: 6 h 09 min 53 s
